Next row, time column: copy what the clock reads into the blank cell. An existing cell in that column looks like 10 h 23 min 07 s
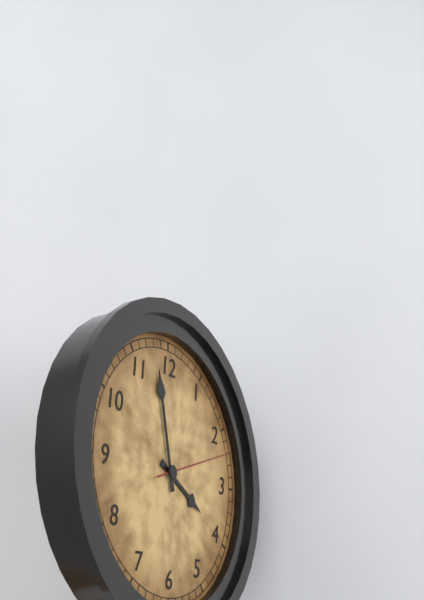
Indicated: 3 h 58 min 12 s
